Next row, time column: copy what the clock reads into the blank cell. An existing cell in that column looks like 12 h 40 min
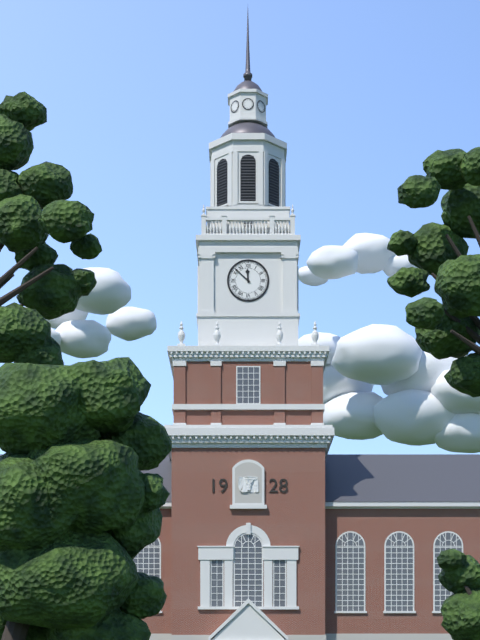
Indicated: 11 h 52 min
